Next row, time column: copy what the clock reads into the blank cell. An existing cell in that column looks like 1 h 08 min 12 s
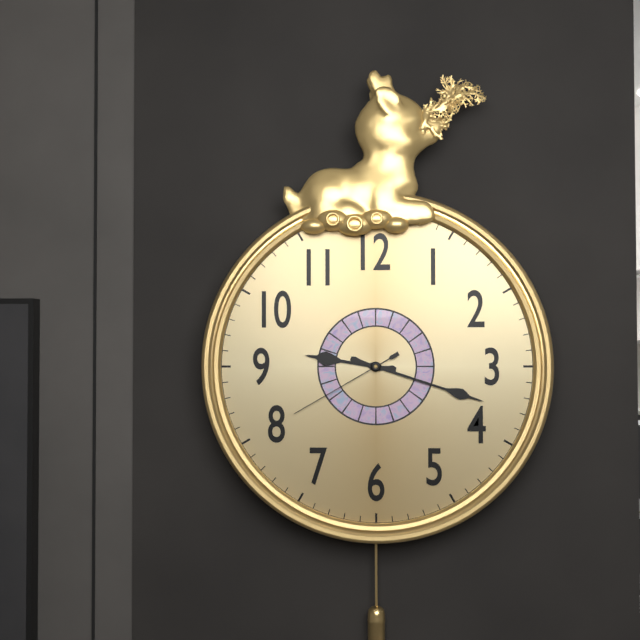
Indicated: 9 h 18 min 40 s
